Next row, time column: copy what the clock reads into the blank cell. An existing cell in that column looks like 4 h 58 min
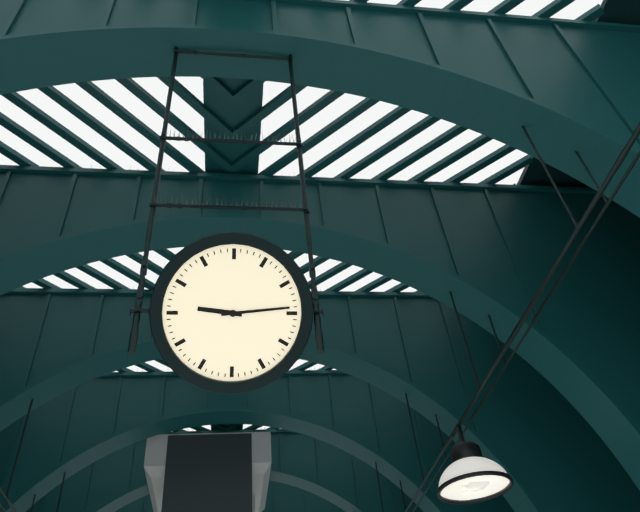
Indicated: 9 h 14 min
